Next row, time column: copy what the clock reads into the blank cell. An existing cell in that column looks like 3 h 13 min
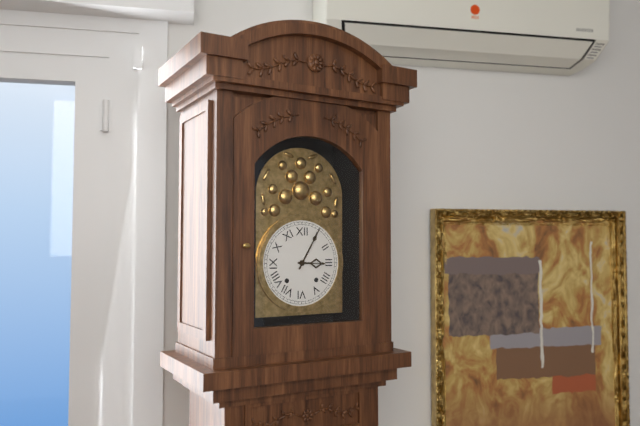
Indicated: 3 h 05 min
